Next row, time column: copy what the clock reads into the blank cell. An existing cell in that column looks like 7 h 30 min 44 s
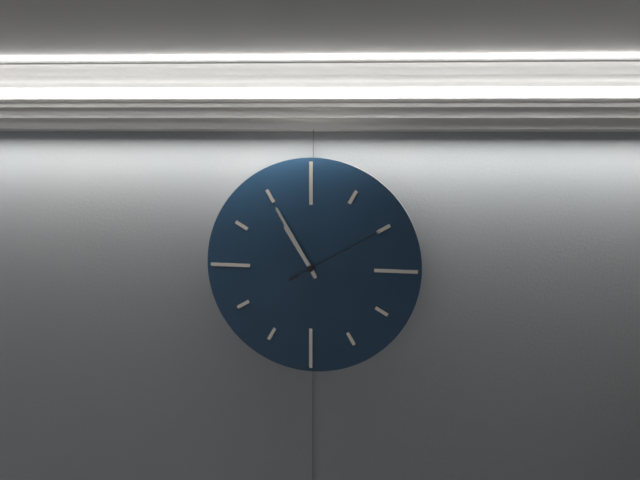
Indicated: 10 h 55 min 10 s
